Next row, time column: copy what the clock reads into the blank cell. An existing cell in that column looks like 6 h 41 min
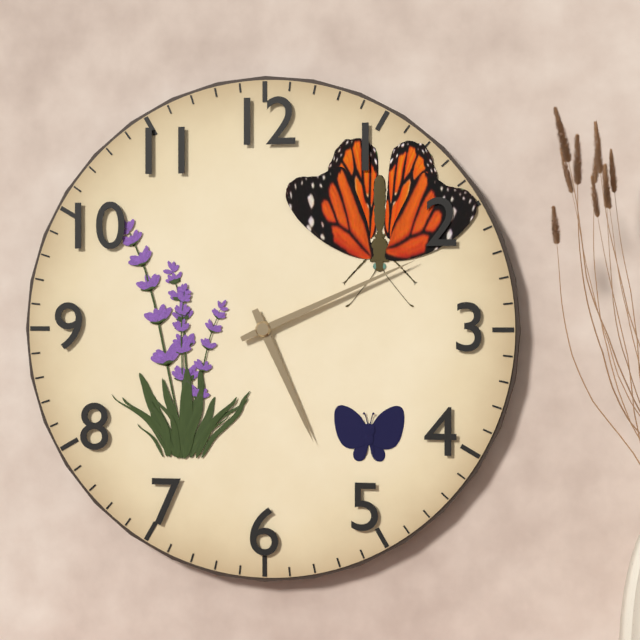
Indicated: 5 h 11 min
